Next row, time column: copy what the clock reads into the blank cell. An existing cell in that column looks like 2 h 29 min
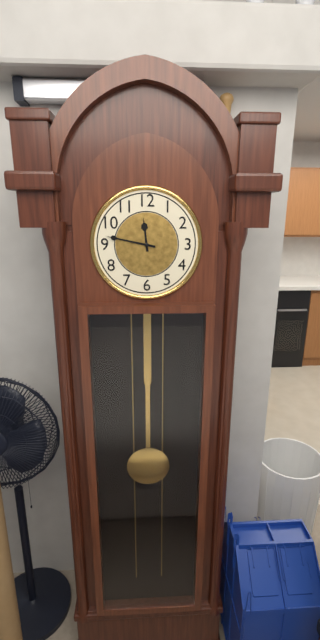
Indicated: 11 h 47 min
